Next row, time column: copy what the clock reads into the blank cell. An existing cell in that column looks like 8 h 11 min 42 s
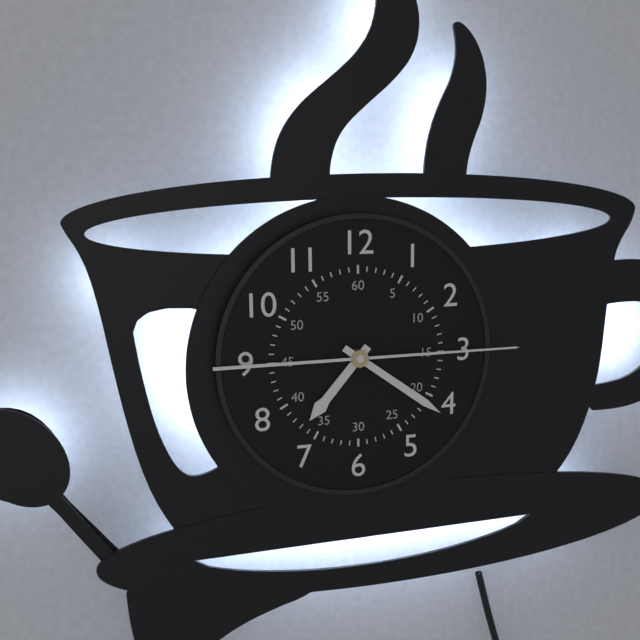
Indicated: 7 h 21 min 15 s
